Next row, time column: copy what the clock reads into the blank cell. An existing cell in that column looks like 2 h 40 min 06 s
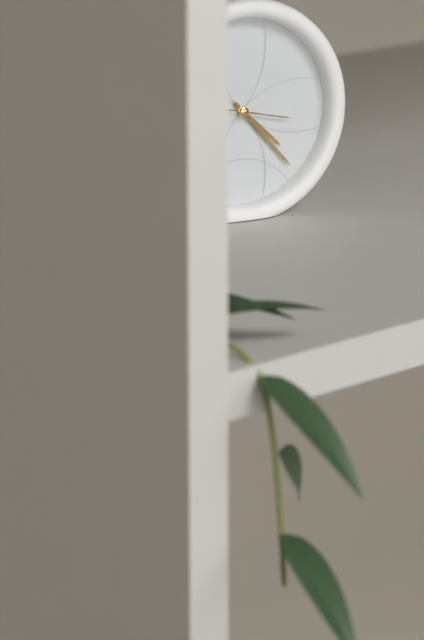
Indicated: 4 h 23 min 17 s
